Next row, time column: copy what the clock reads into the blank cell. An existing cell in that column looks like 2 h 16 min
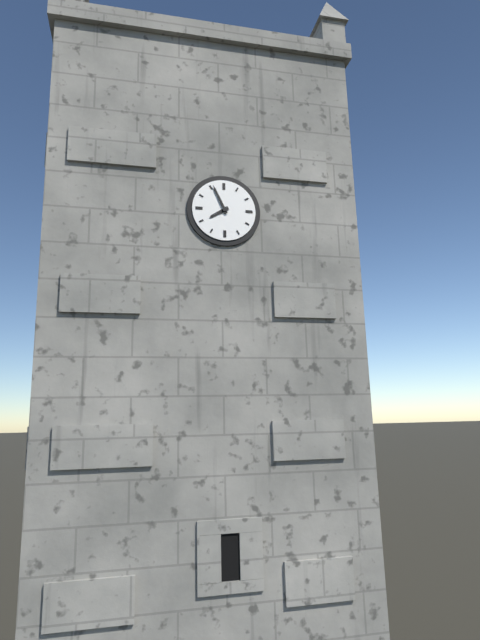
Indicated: 7 h 56 min
